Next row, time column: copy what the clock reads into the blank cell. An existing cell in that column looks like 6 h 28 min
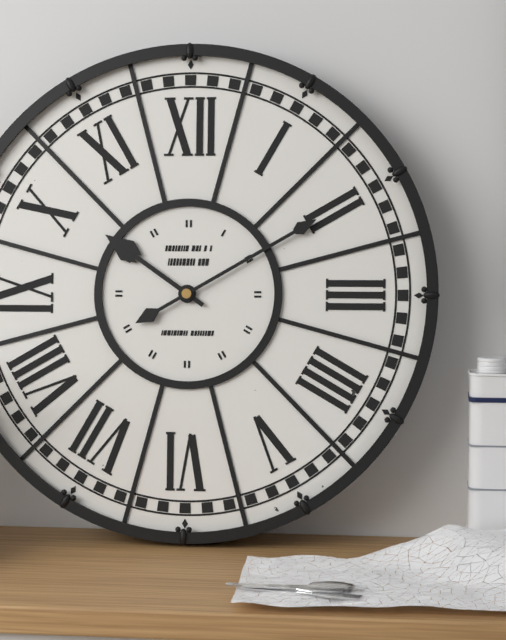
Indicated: 10 h 10 min
